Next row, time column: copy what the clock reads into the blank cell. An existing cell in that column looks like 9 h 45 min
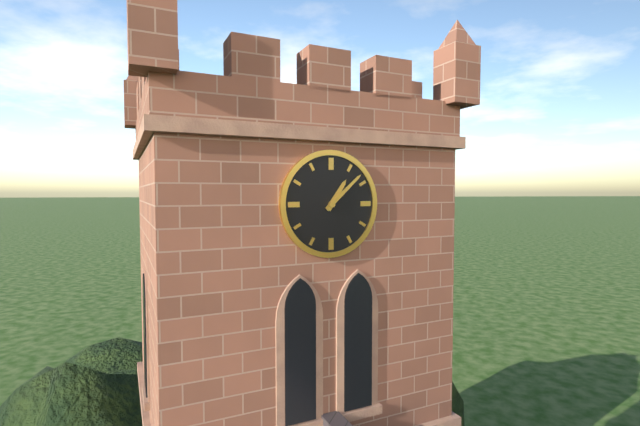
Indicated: 1 h 08 min
